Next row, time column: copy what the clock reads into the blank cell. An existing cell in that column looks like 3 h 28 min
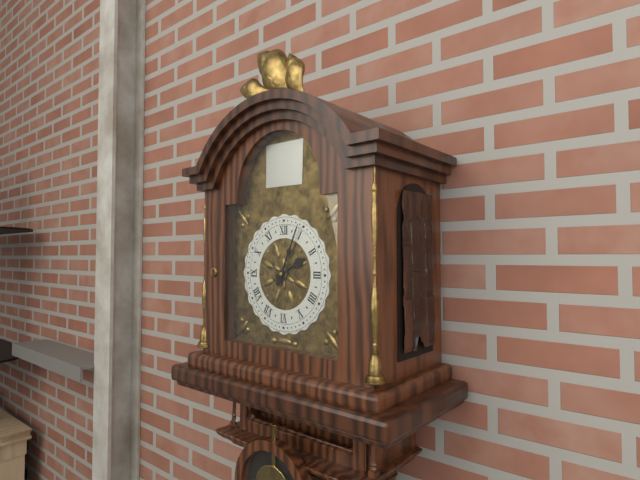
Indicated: 2 h 04 min
